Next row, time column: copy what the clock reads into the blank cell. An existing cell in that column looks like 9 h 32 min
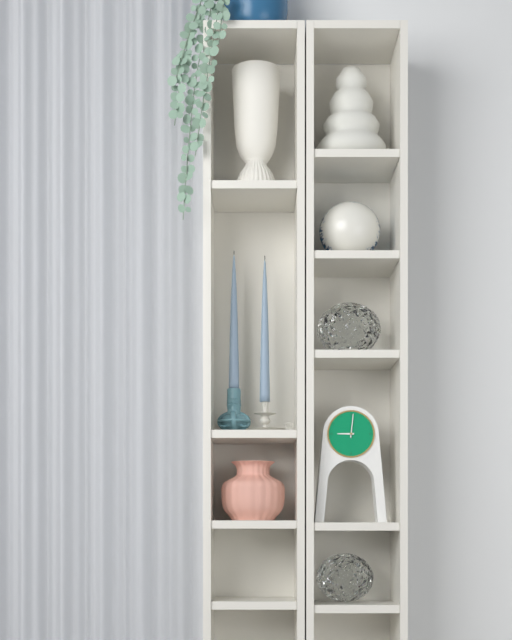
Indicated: 9 h 01 min
